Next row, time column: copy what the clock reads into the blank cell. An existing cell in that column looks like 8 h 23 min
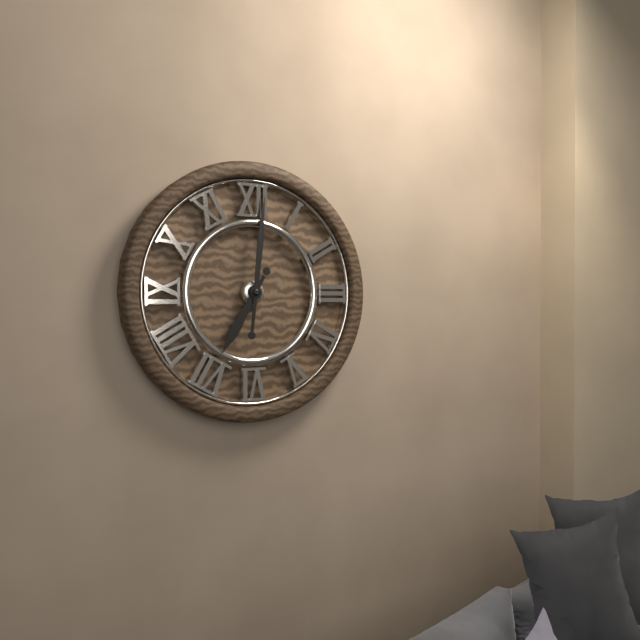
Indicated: 7 h 01 min
